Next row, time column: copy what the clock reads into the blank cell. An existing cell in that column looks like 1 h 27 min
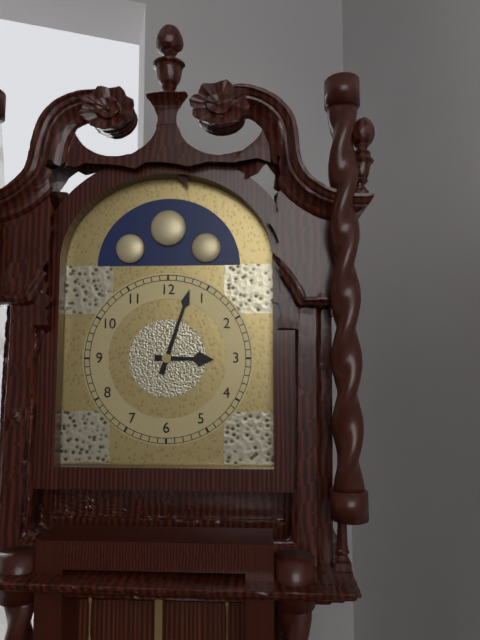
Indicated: 3 h 03 min
